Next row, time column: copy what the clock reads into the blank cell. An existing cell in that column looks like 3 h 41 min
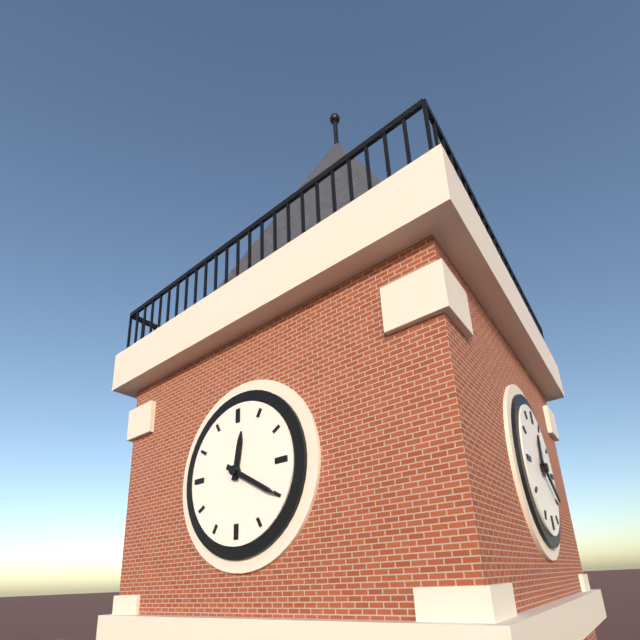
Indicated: 12 h 20 min
